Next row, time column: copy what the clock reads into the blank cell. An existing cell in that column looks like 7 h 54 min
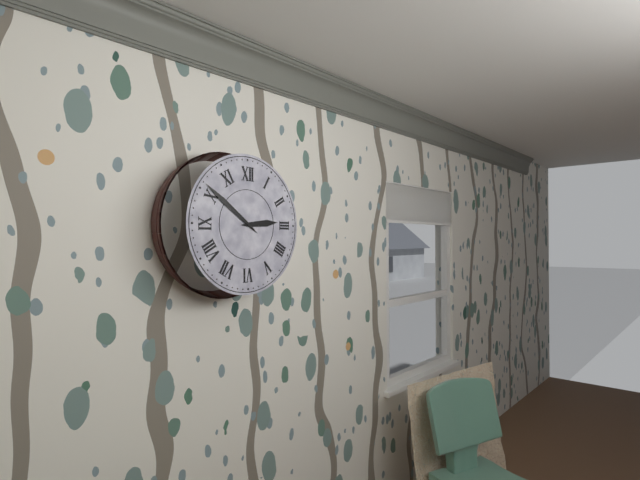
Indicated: 2 h 51 min
